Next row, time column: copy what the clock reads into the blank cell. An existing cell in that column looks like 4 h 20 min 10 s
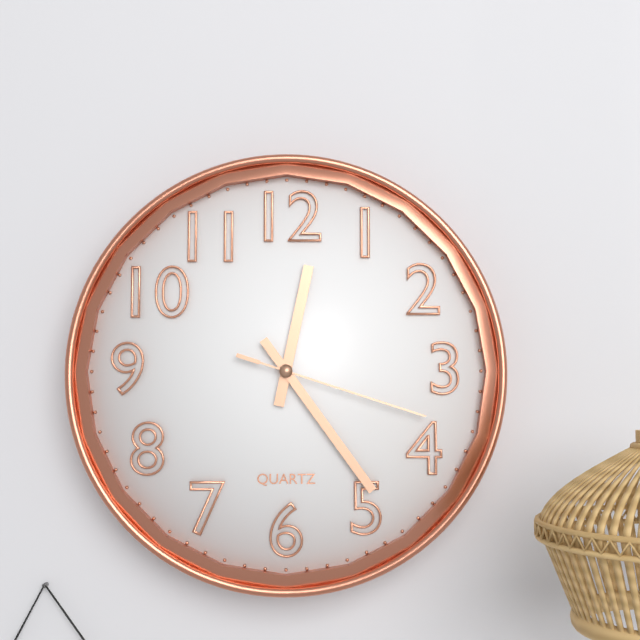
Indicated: 12 h 24 min 18 s
